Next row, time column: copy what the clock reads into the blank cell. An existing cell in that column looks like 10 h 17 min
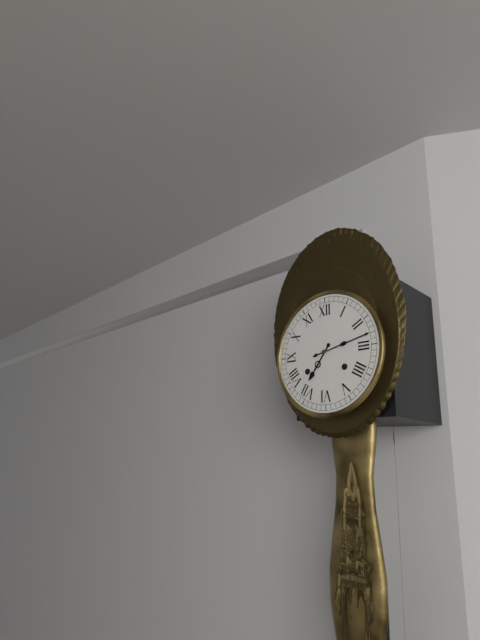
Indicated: 7 h 13 min
